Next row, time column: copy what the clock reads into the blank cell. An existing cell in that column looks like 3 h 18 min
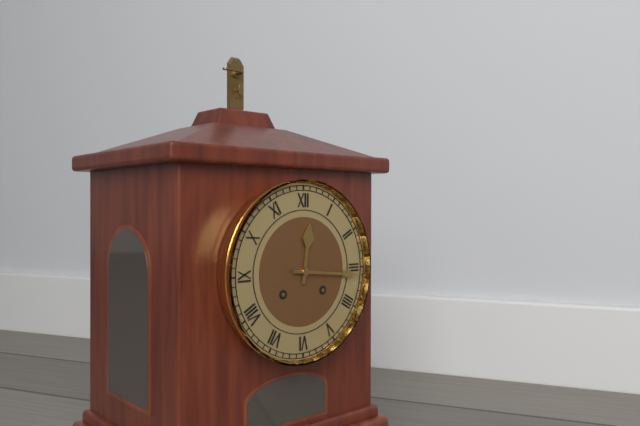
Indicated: 12 h 16 min
